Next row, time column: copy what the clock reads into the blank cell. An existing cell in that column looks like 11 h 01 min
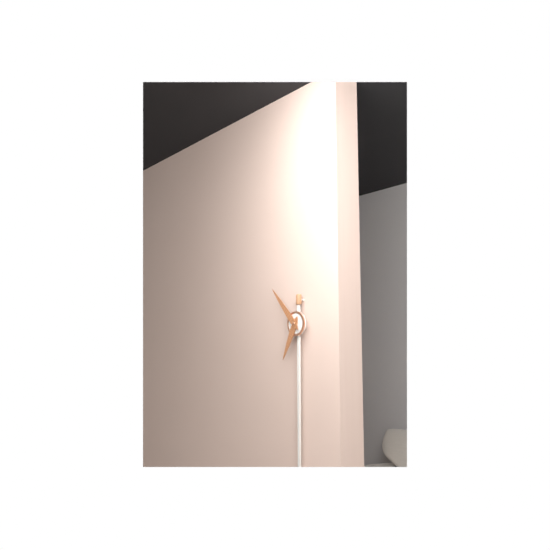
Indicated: 6 h 53 min
